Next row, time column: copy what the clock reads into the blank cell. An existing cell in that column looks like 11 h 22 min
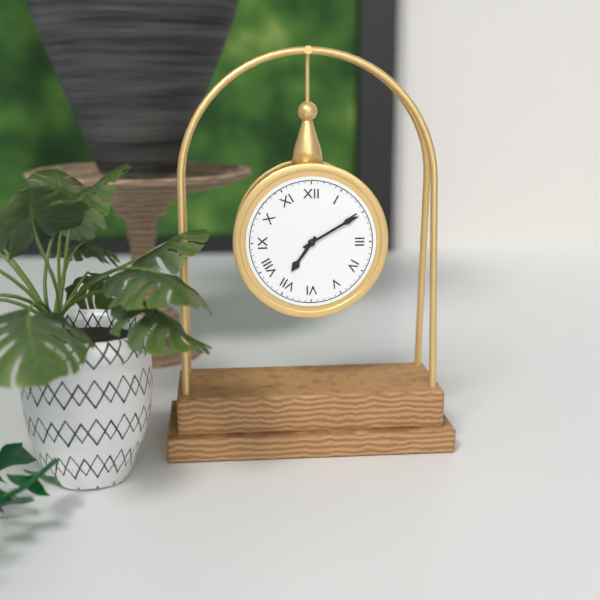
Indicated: 7 h 10 min
